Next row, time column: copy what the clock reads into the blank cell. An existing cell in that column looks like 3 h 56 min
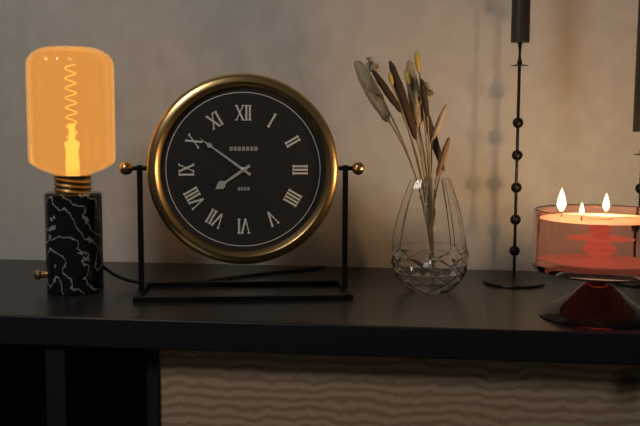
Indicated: 7 h 51 min
